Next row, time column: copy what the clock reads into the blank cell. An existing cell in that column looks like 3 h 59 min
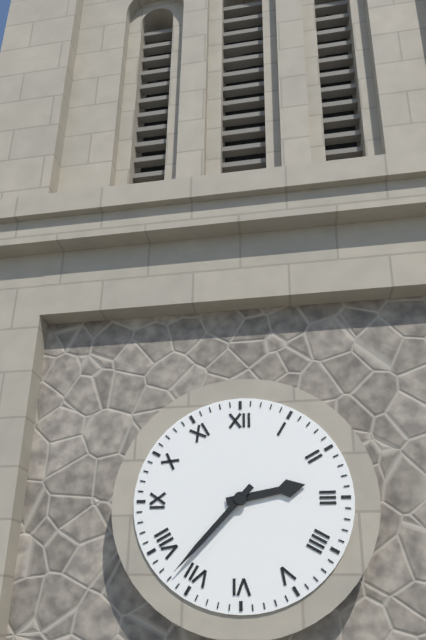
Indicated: 2 h 37 min
